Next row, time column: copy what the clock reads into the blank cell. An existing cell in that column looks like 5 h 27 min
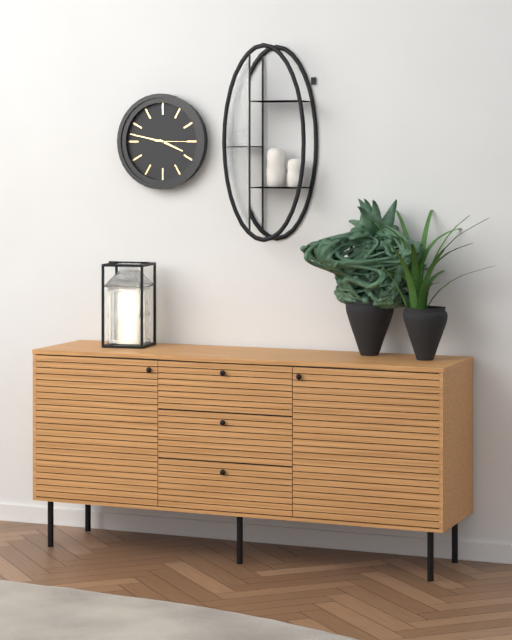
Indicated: 3 h 47 min
